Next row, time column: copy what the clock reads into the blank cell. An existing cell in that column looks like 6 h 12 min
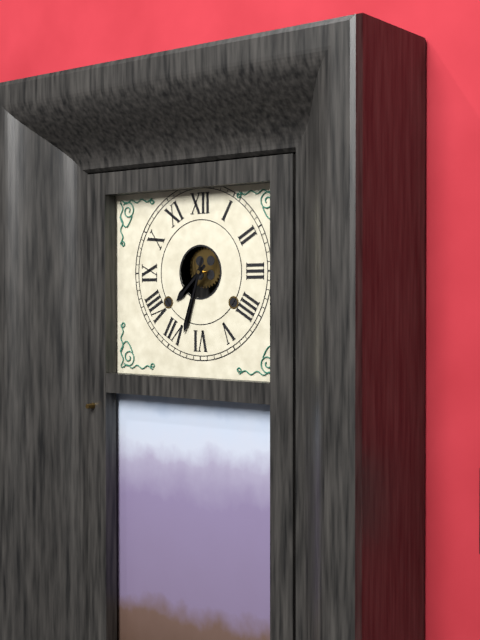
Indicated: 7 h 33 min
